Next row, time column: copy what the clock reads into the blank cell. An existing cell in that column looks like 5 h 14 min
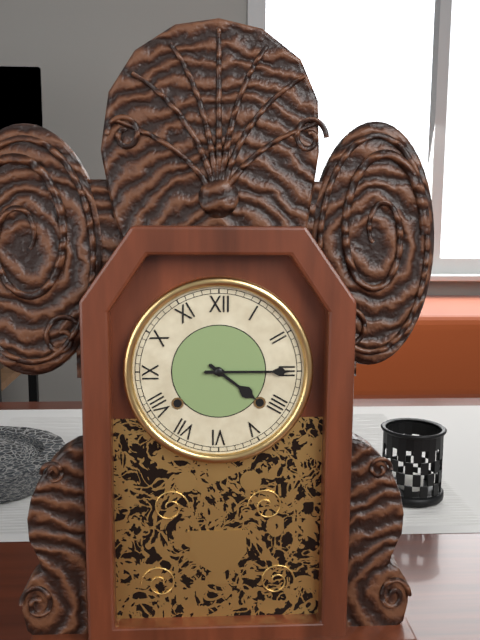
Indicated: 4 h 15 min
